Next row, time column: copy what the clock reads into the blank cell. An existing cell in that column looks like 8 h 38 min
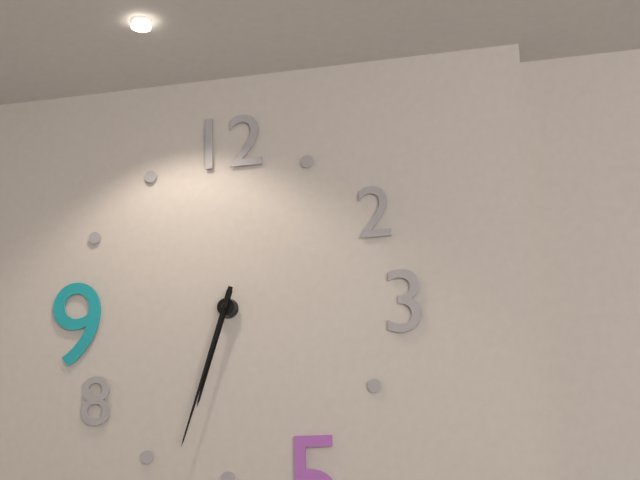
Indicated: 6 h 33 min
